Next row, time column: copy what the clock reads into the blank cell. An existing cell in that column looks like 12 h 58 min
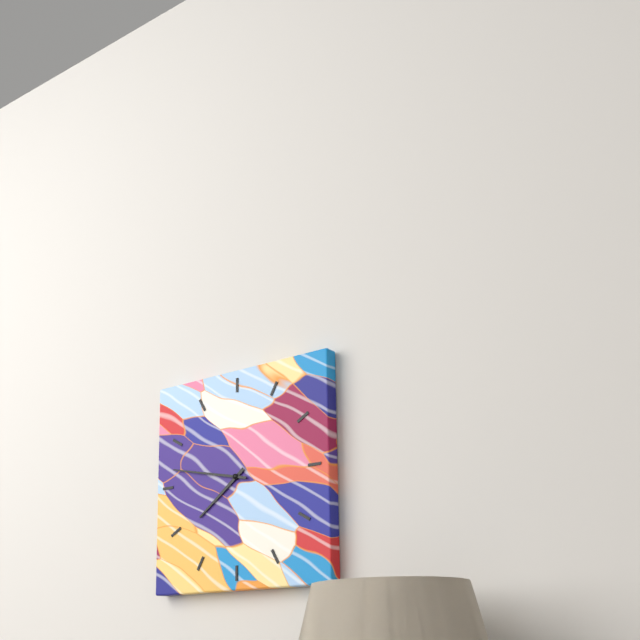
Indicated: 7 h 47 min
